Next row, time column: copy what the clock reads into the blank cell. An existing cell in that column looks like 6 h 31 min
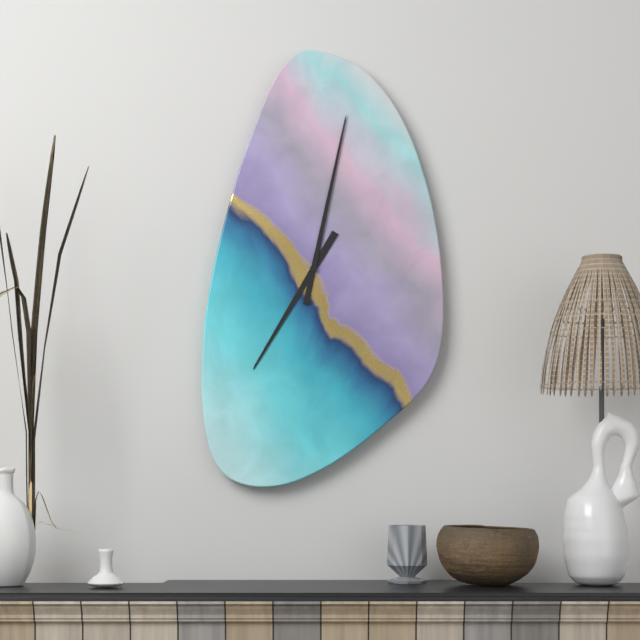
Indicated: 7 h 02 min
